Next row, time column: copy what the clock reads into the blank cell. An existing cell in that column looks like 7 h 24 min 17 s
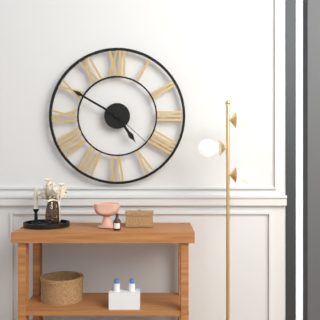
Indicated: 4 h 50 min 22 s
